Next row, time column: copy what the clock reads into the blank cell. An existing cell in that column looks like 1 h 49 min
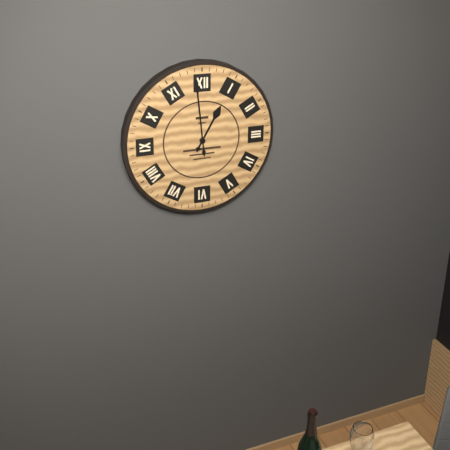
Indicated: 12 h 59 min
